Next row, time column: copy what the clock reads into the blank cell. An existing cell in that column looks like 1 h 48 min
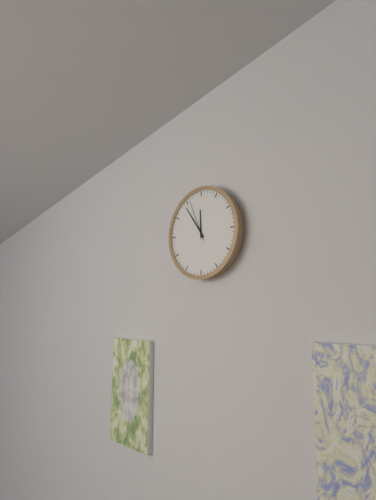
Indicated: 11 h 54 min
